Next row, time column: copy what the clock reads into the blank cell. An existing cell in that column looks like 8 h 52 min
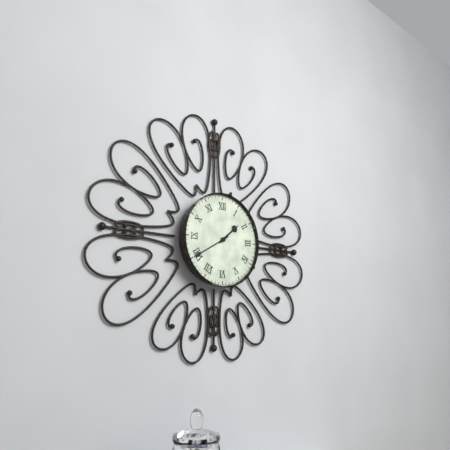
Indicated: 1 h 40 min
